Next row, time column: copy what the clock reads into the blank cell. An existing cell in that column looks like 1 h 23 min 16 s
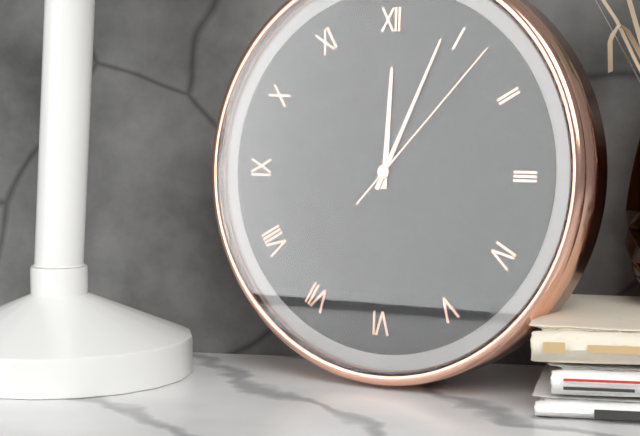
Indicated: 12 h 04 min 07 s
